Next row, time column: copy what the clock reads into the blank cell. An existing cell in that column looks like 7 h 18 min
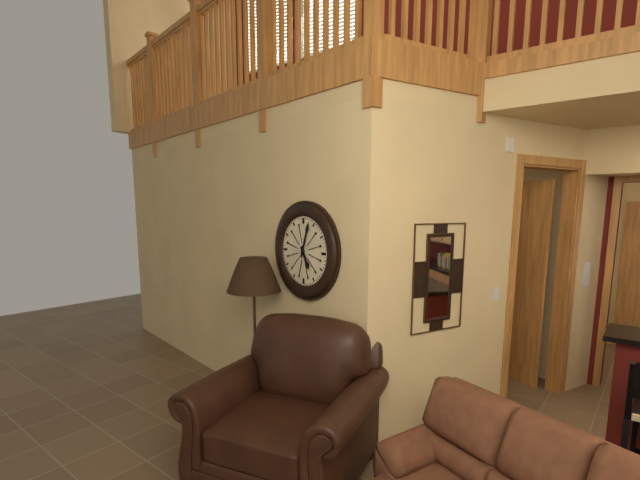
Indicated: 5 h 03 min
